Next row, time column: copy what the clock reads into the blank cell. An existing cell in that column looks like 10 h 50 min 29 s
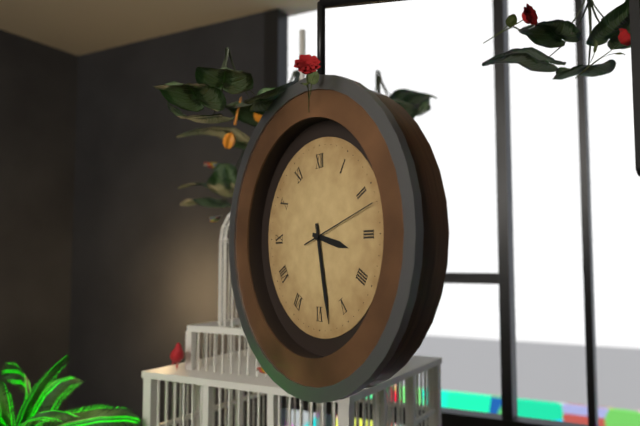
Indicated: 3 h 28 min 12 s
